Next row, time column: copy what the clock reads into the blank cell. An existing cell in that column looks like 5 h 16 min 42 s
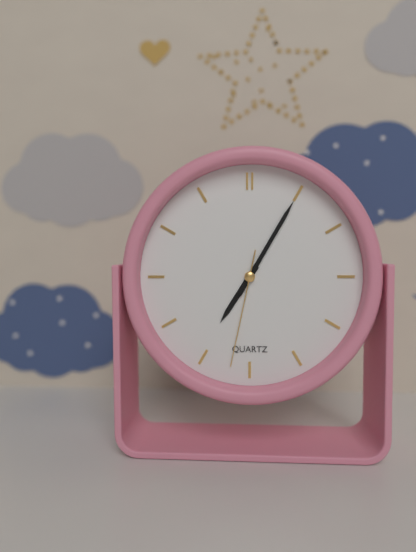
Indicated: 7 h 05 min 32 s
